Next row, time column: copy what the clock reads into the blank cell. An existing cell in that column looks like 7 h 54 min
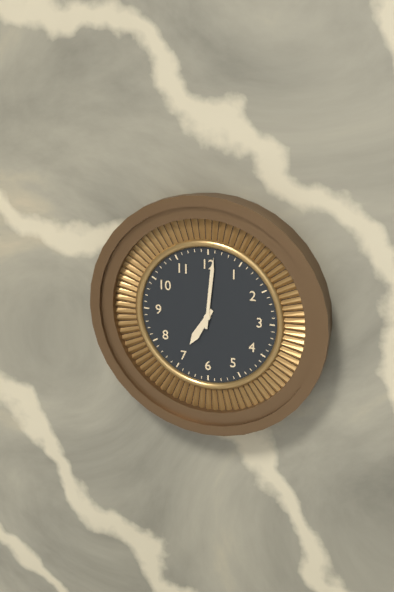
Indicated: 7 h 01 min
